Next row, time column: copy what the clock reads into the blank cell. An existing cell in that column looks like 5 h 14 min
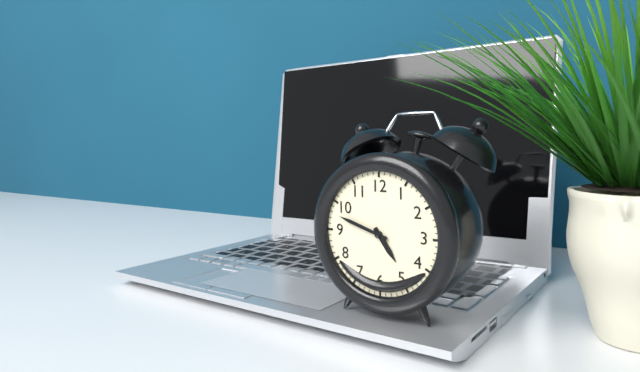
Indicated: 4 h 48 min
